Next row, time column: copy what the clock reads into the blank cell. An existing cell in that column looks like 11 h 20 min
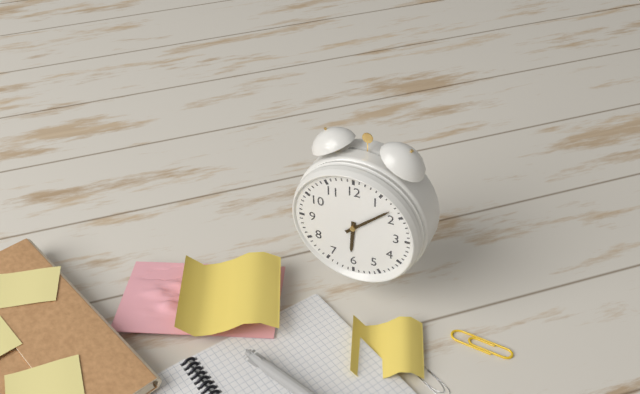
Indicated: 6 h 08 min
